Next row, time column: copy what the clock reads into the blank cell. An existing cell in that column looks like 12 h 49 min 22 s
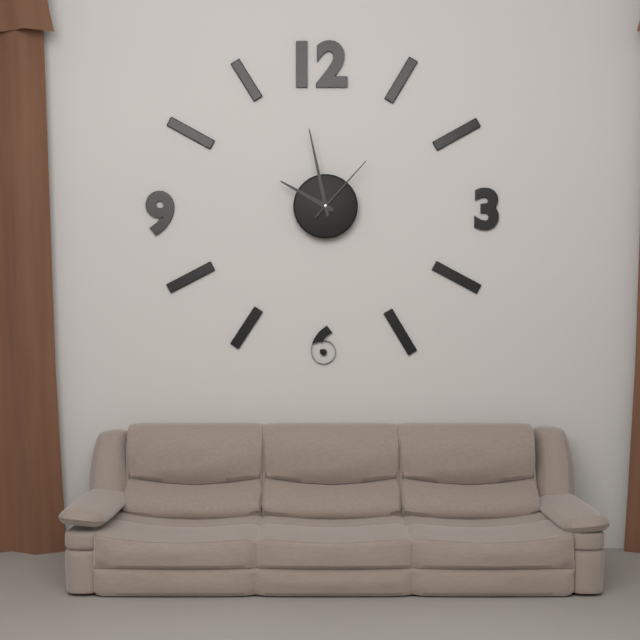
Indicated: 9 h 58 min 07 s
